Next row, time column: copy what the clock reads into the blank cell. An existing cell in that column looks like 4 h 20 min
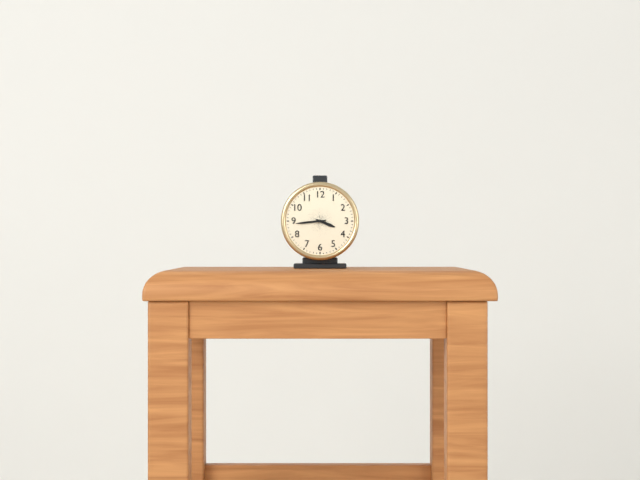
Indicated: 3 h 44 min
